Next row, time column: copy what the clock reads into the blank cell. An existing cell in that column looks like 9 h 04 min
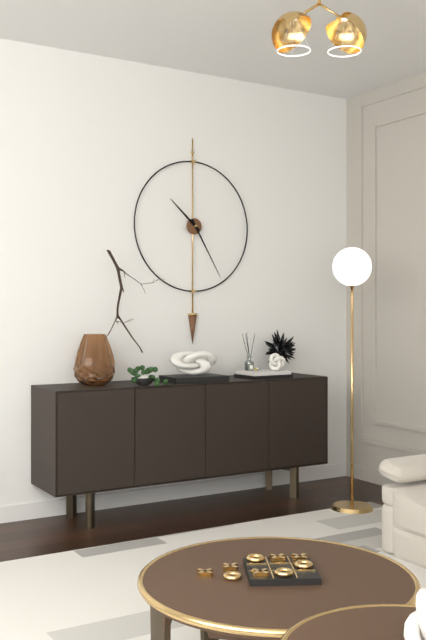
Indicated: 10 h 25 min
